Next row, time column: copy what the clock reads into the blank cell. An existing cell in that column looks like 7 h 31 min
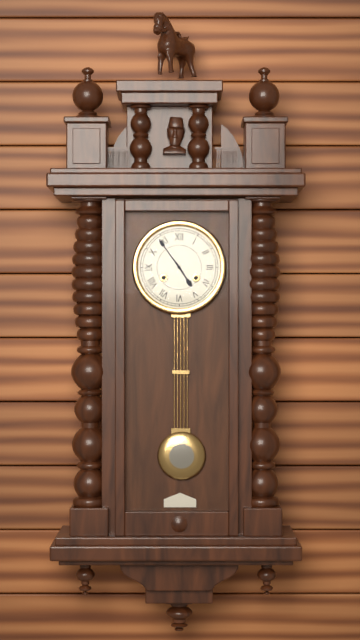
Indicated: 4 h 54 min
